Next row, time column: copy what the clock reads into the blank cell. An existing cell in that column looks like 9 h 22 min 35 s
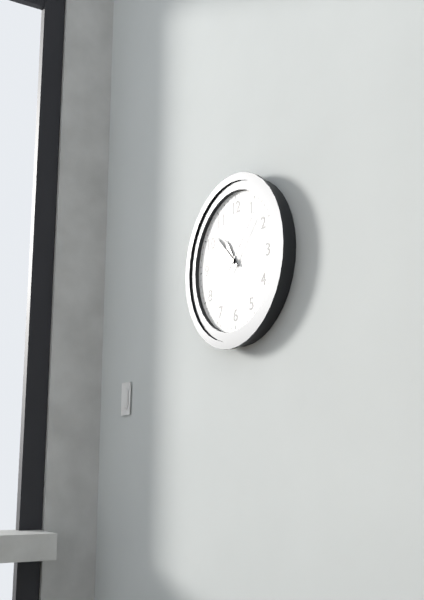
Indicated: 10 h 52 min 07 s
